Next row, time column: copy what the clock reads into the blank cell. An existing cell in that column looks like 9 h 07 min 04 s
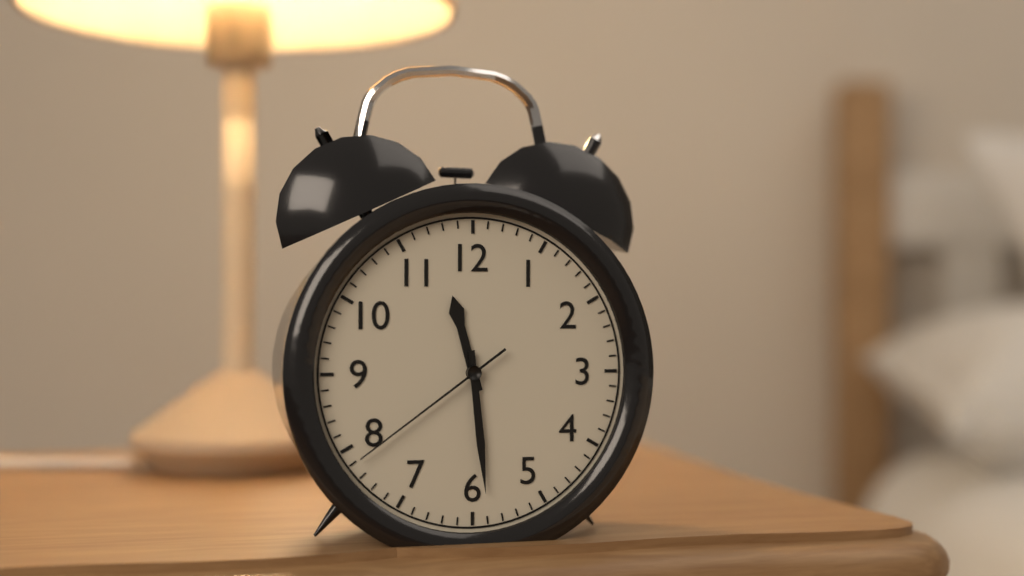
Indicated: 11 h 29 min 39 s
